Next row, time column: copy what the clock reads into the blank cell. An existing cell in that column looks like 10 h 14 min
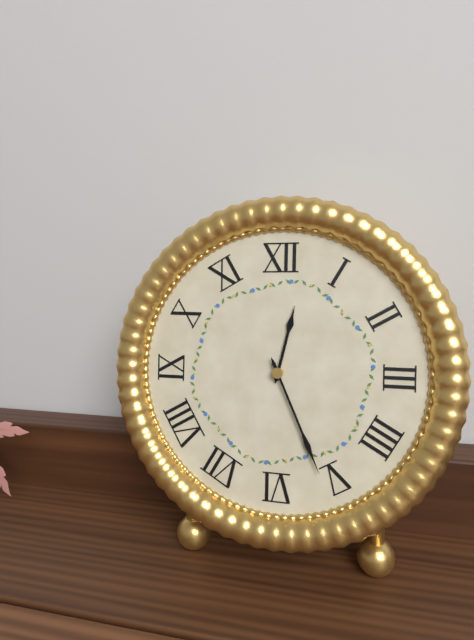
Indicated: 12 h 26 min
